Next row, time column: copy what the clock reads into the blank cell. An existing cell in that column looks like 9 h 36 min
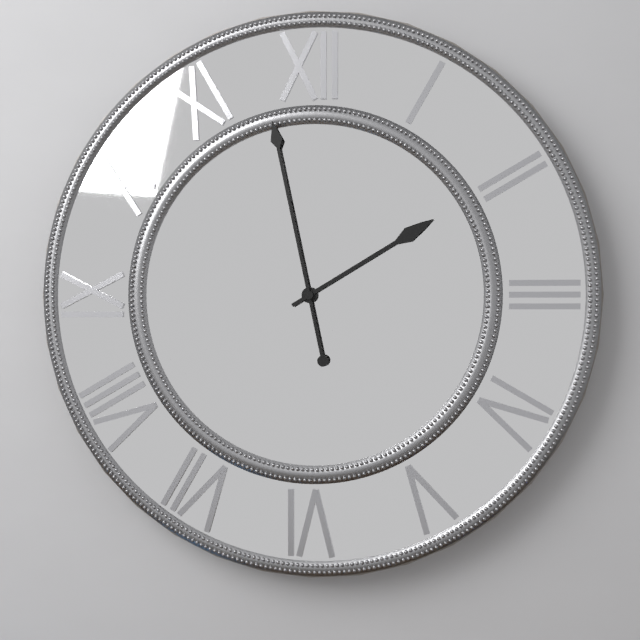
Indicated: 1 h 58 min
